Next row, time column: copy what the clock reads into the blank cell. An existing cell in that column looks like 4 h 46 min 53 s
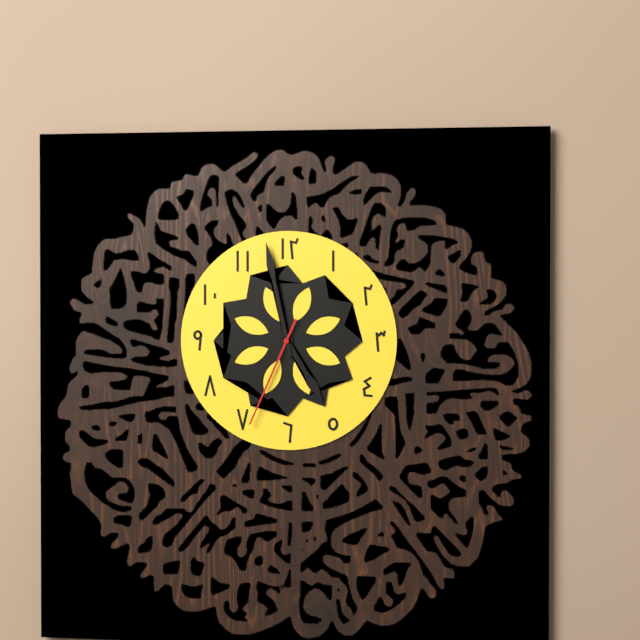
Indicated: 4 h 58 min 34 s
